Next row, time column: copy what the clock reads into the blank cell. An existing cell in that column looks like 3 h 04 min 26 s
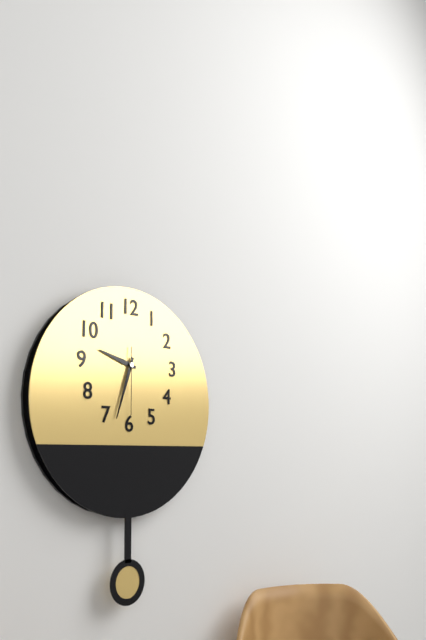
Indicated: 9 h 33 min 30 s
